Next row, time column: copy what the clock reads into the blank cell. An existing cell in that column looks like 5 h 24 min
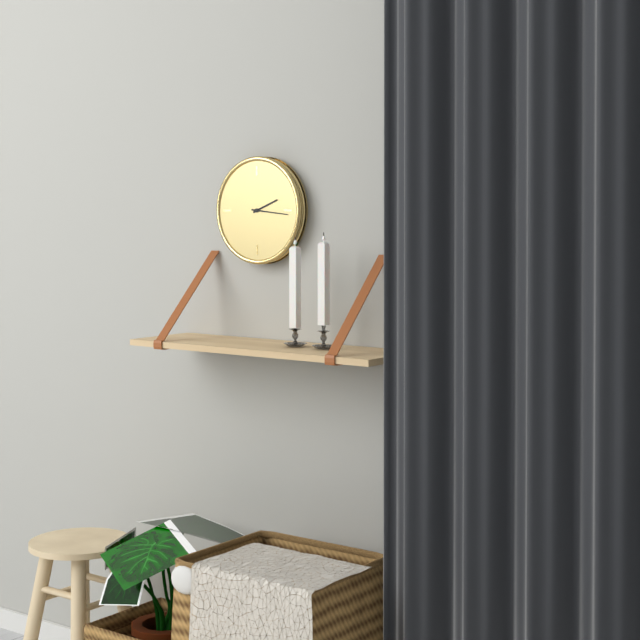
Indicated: 2 h 16 min
